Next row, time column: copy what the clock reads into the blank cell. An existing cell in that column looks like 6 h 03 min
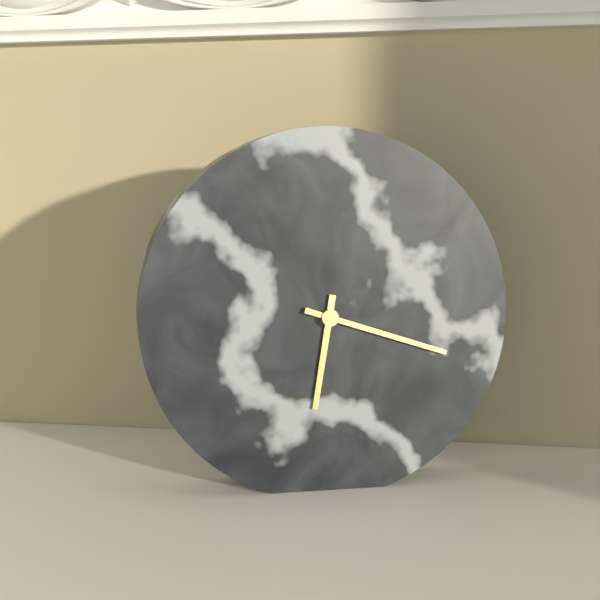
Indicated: 6 h 18 min
